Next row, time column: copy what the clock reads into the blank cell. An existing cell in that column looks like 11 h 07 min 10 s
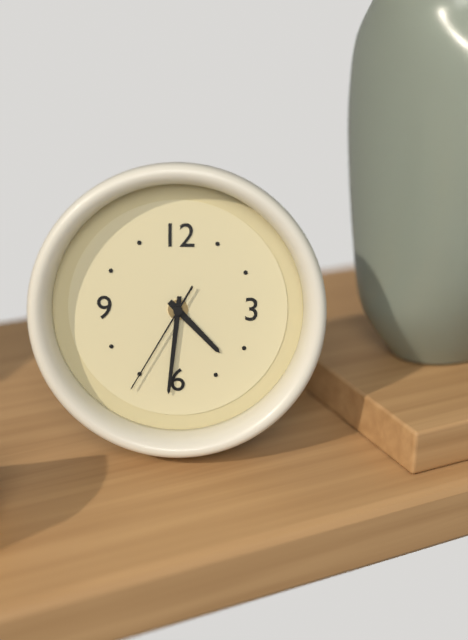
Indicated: 4 h 31 min 35 s
